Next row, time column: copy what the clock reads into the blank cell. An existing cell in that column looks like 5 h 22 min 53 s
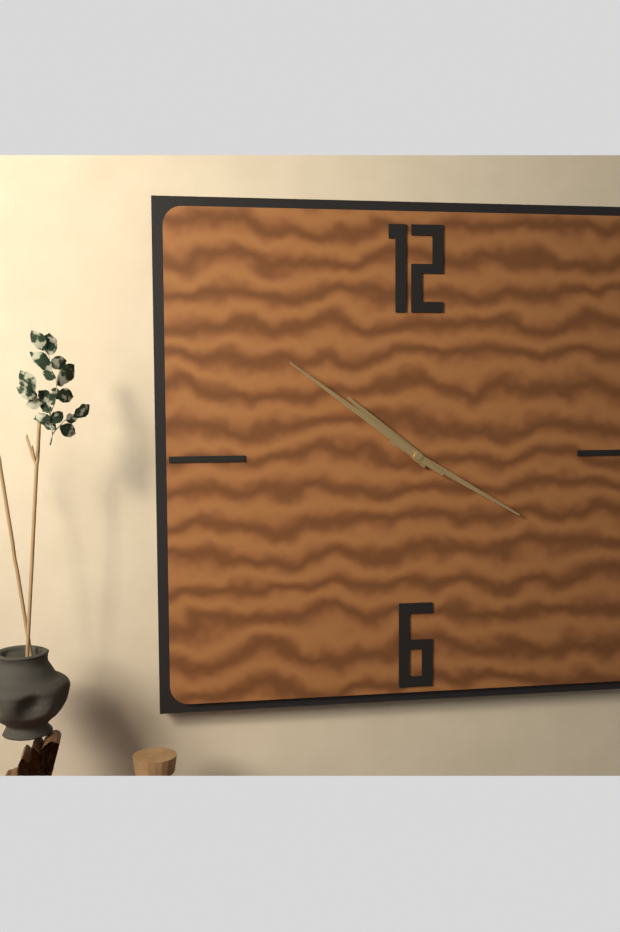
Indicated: 10 h 20 min 51 s
